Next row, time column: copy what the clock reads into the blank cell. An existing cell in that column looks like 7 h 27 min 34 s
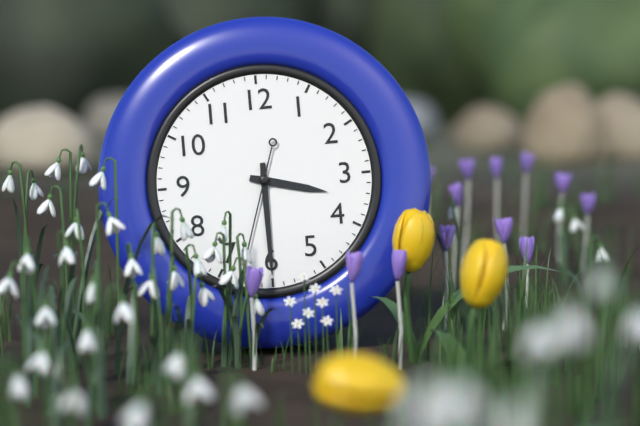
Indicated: 3 h 30 min 33 s
